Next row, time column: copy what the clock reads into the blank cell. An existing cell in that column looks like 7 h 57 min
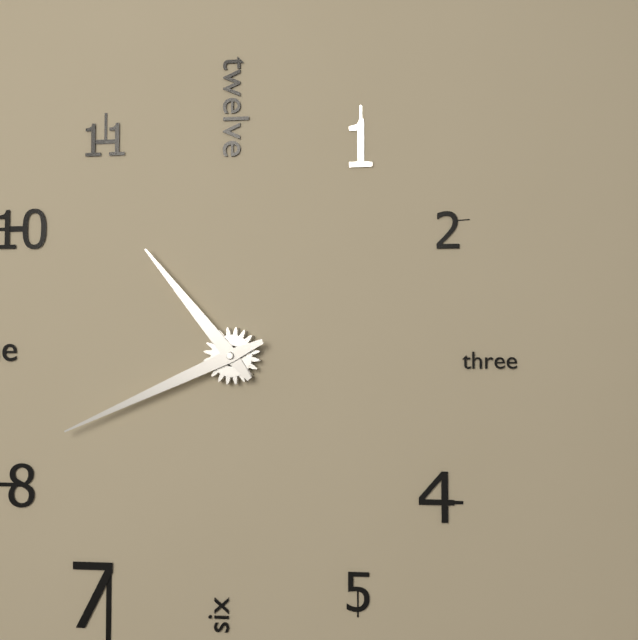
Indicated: 10 h 41 min
